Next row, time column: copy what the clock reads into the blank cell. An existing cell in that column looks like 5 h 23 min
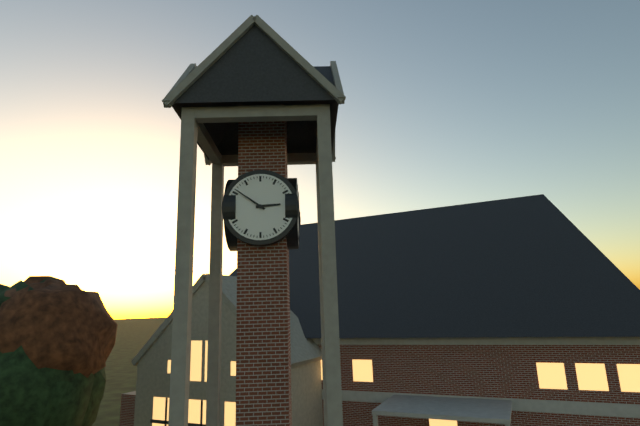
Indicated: 2 h 51 min
